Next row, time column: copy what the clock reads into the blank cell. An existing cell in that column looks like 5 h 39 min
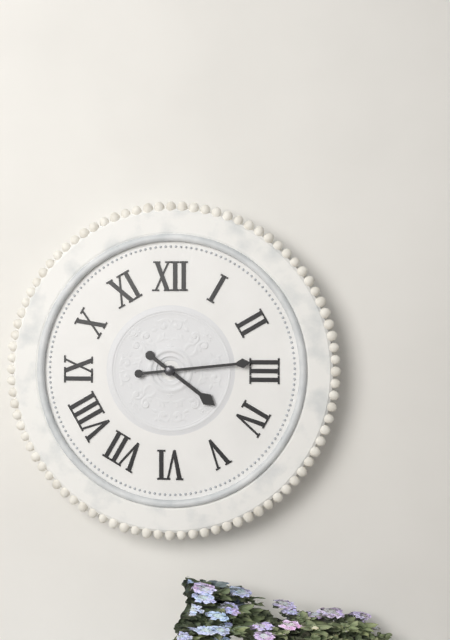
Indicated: 4 h 14 min
